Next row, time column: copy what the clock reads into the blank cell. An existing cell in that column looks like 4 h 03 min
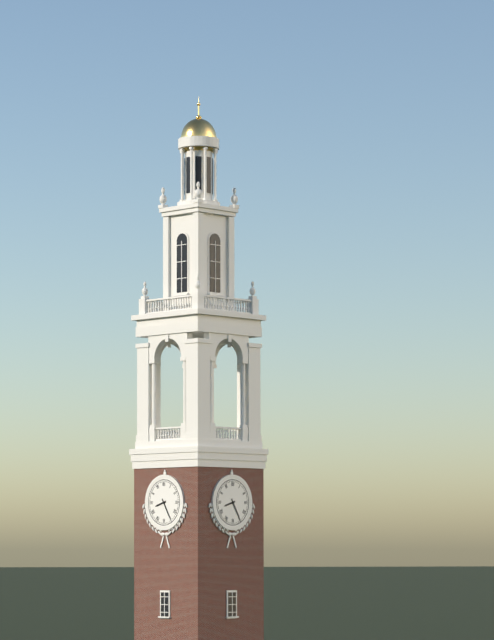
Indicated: 8 h 25 min
